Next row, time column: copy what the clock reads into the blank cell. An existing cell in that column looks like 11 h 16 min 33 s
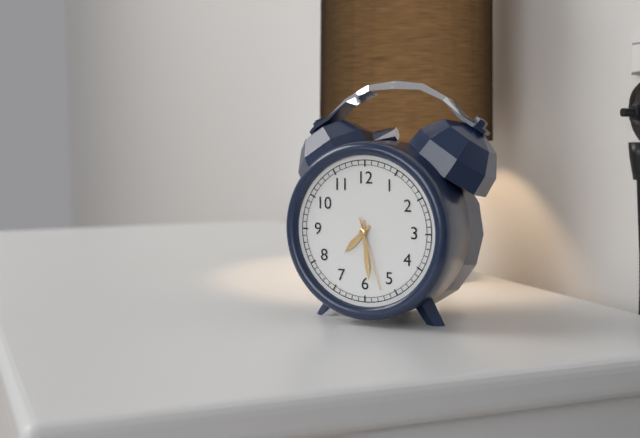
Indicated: 7 h 29 min 27 s
